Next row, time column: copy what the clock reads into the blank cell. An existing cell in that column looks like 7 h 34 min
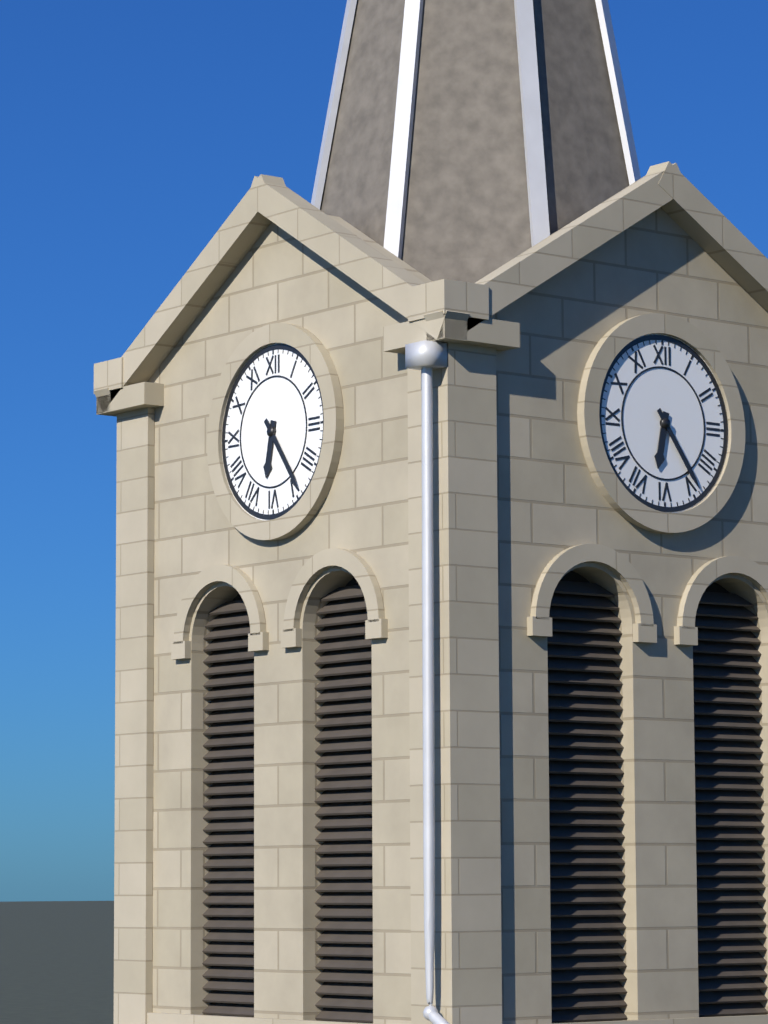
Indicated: 6 h 24 min
